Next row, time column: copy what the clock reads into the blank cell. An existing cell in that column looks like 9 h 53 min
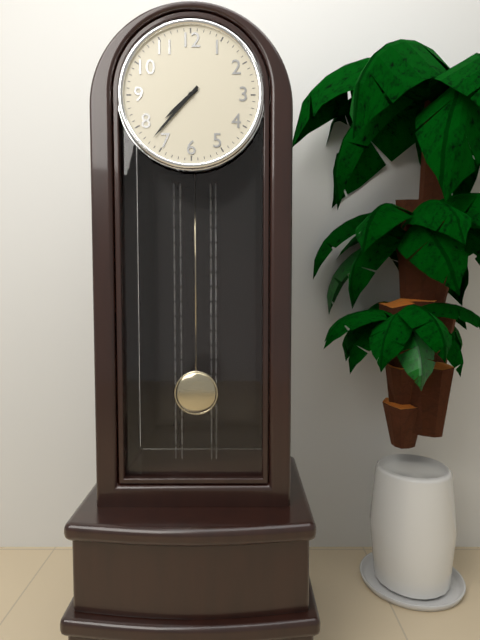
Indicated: 7 h 37 min
